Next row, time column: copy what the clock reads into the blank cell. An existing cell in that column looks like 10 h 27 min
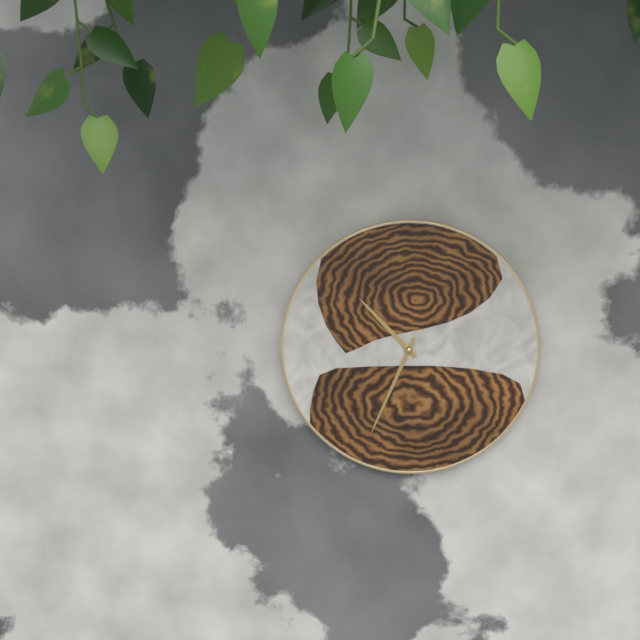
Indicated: 10 h 34 min
